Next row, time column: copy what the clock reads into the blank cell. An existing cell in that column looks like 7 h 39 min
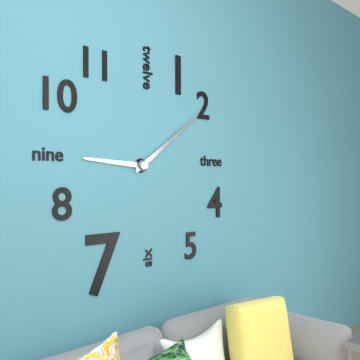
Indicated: 9 h 09 min
